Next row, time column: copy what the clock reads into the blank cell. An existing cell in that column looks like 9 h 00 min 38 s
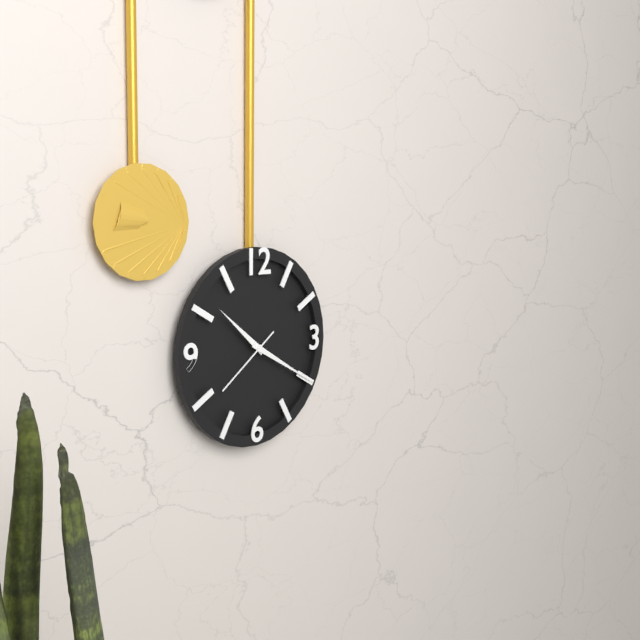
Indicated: 10 h 20 min 39 s
